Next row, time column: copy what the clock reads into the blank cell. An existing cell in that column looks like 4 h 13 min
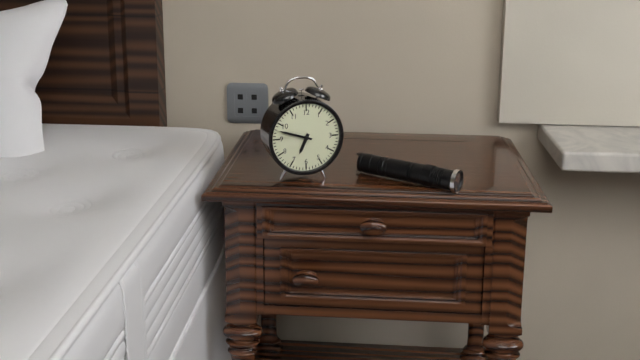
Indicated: 6 h 48 min
